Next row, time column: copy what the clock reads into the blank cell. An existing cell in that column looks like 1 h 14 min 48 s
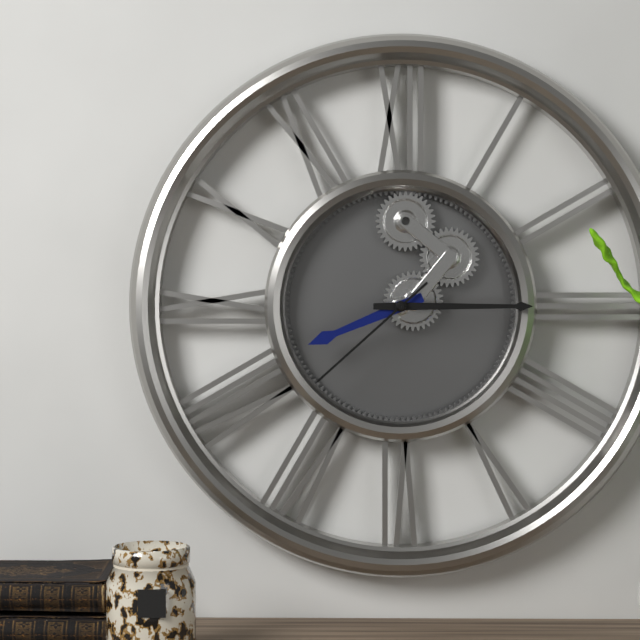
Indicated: 8 h 15 min 38 s
